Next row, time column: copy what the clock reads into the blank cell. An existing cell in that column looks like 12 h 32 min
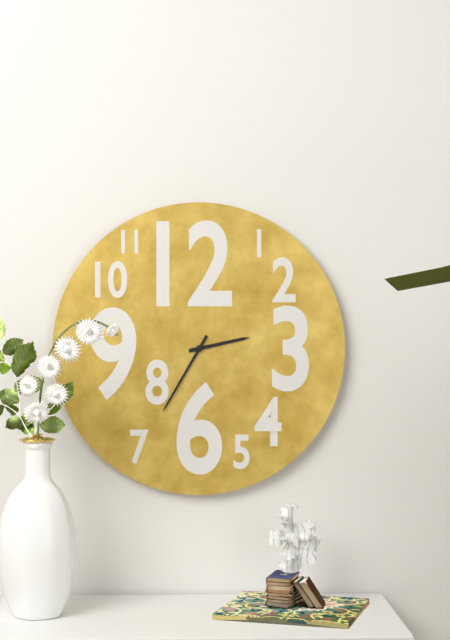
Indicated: 2 h 35 min
